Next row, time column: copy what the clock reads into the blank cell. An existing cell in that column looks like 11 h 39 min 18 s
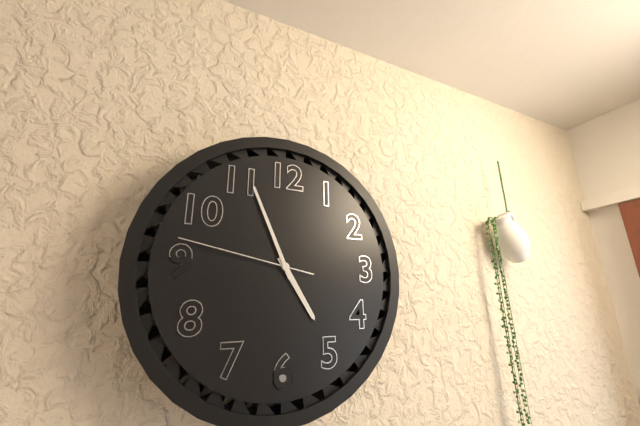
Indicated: 4 h 56 min 47 s
